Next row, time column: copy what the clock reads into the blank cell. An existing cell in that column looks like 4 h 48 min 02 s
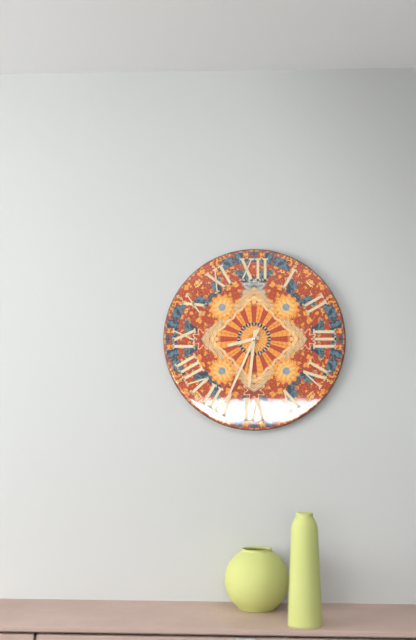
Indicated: 8 h 31 min 34 s
